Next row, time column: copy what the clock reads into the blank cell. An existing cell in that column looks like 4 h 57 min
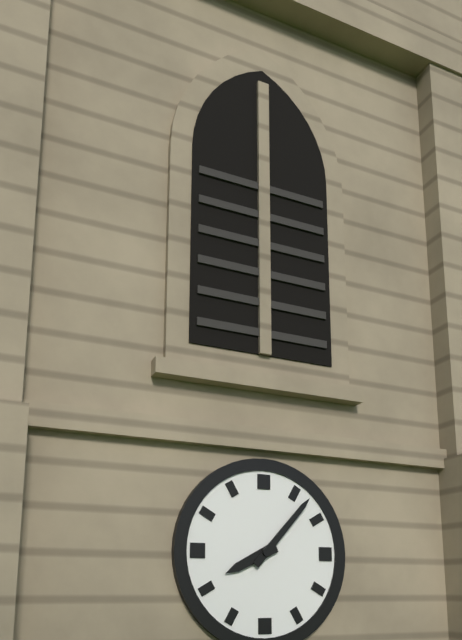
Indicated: 8 h 07 min
